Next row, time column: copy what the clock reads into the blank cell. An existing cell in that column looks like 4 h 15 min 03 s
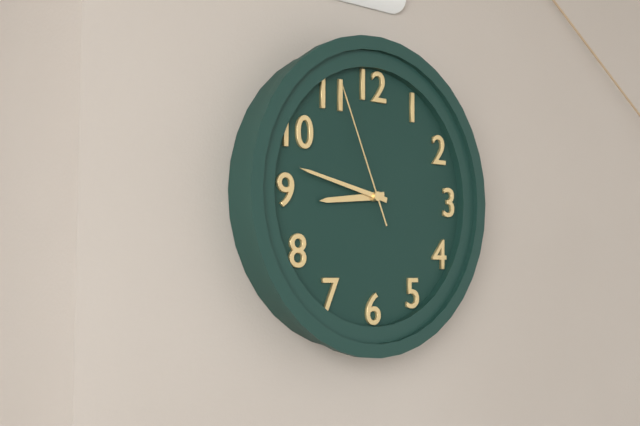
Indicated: 8 h 47 min 56 s
